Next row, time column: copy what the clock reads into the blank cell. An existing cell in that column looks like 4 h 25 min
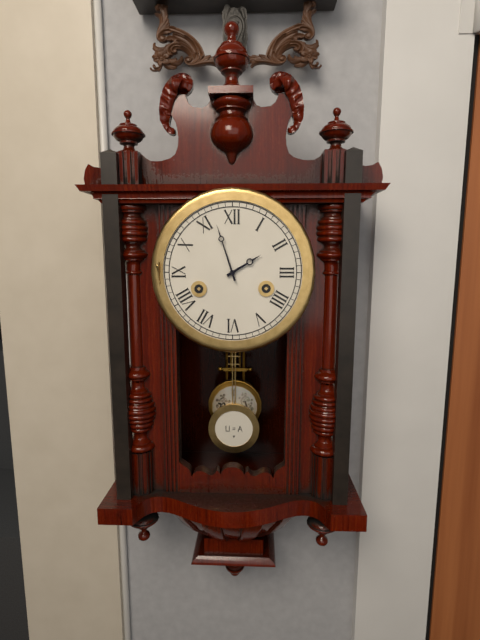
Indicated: 1 h 57 min
